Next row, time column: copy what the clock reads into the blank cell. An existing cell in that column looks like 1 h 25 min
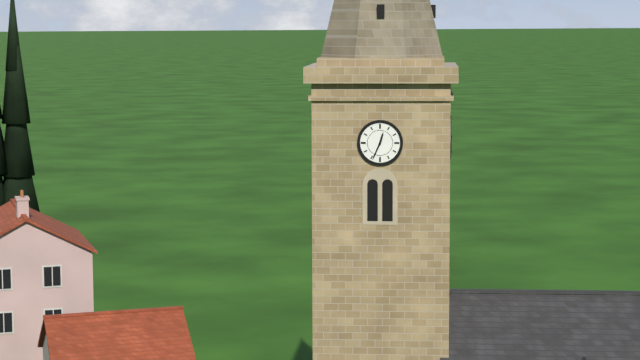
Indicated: 12 h 34 min
